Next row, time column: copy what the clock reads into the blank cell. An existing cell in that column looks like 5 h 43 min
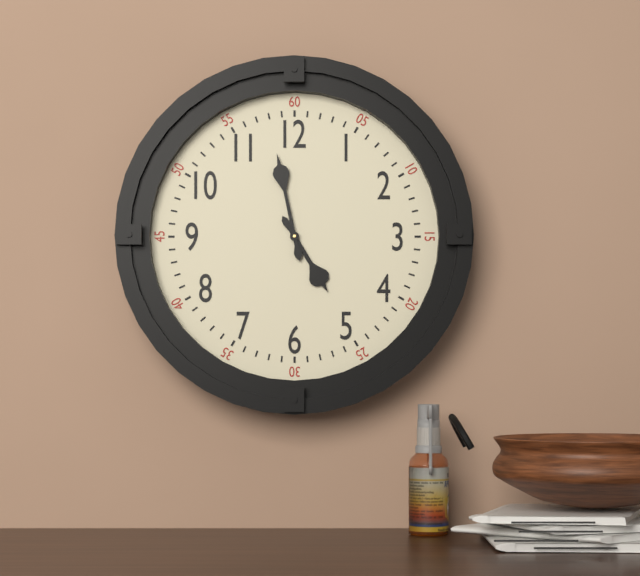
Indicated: 4 h 58 min
